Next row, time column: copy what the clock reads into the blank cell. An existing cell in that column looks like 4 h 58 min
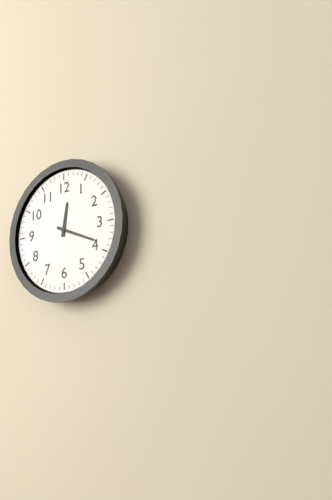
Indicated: 12 h 19 min
